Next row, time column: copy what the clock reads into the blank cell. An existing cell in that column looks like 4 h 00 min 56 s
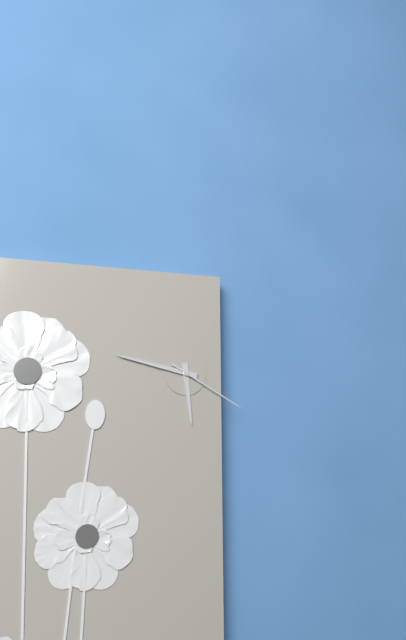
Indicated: 5 h 47 min 20 s
